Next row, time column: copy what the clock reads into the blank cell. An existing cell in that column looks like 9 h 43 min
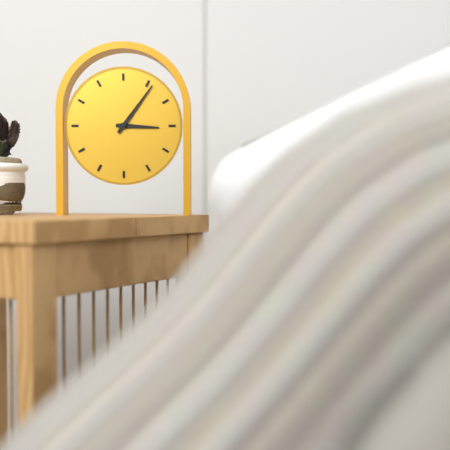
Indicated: 3 h 06 min
